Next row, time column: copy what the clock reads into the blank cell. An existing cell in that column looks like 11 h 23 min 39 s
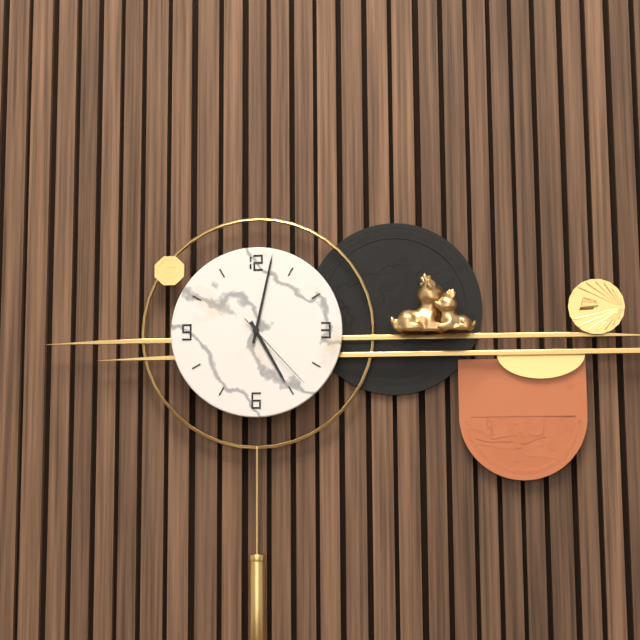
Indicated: 5 h 02 min 23 s
